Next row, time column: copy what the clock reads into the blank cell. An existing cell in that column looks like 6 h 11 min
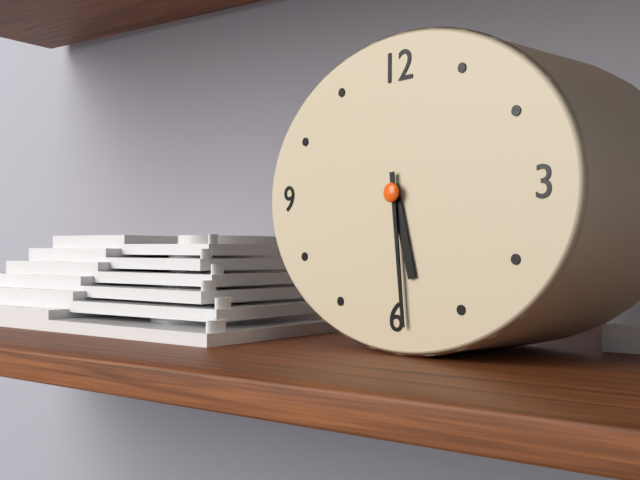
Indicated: 5 h 29 min
